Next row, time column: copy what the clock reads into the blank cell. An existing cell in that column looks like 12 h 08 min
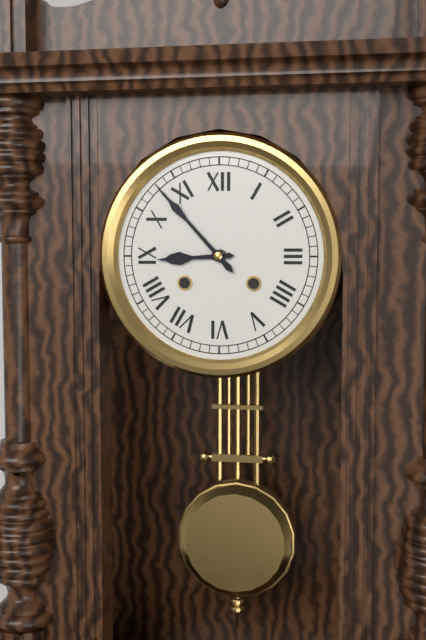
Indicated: 8 h 53 min
